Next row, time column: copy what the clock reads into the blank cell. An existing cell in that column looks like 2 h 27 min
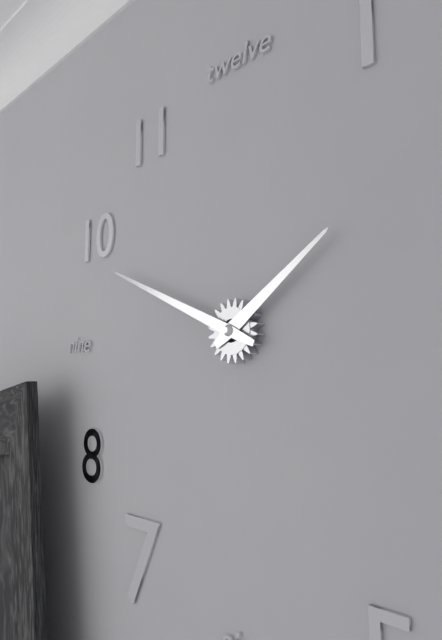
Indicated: 1 h 49 min
